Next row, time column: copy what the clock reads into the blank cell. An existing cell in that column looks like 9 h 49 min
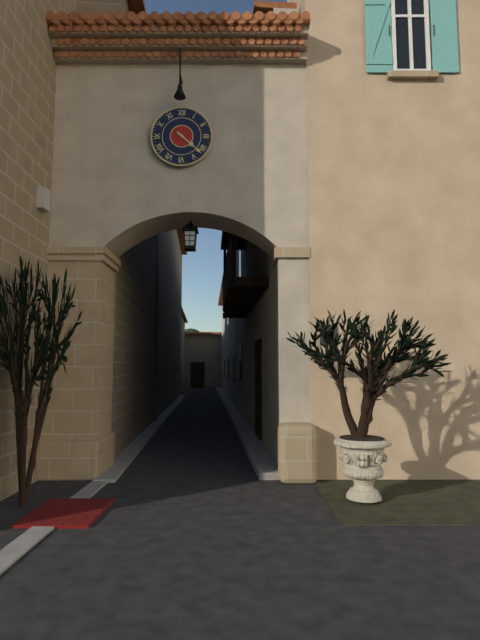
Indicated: 4 h 22 min
